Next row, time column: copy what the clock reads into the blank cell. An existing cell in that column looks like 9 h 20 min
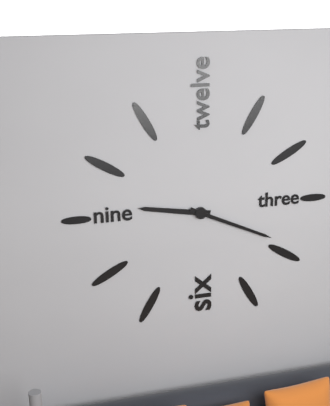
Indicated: 9 h 19 min
